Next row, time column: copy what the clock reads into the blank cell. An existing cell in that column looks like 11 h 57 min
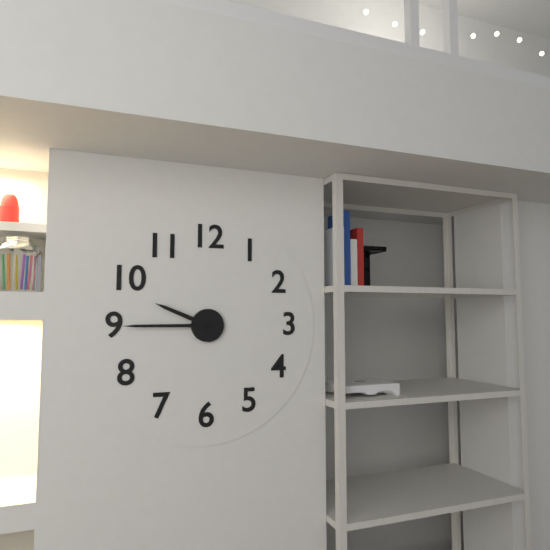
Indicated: 9 h 45 min
